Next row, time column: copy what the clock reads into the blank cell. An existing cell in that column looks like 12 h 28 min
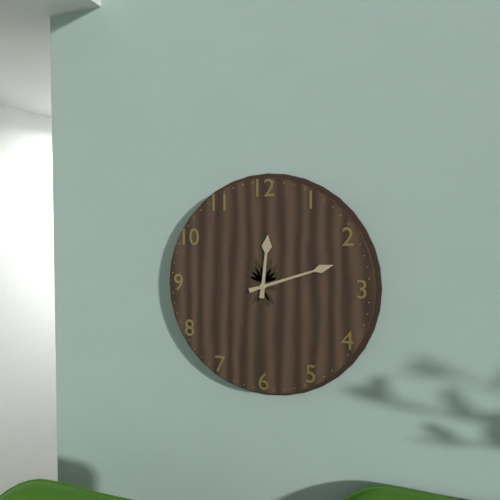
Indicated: 12 h 12 min
